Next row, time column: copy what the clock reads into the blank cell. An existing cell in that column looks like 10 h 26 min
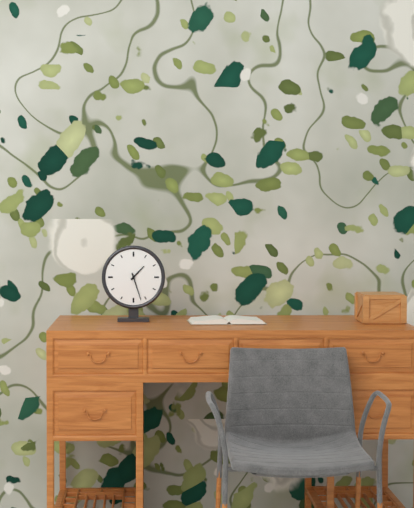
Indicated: 1 h 27 min
